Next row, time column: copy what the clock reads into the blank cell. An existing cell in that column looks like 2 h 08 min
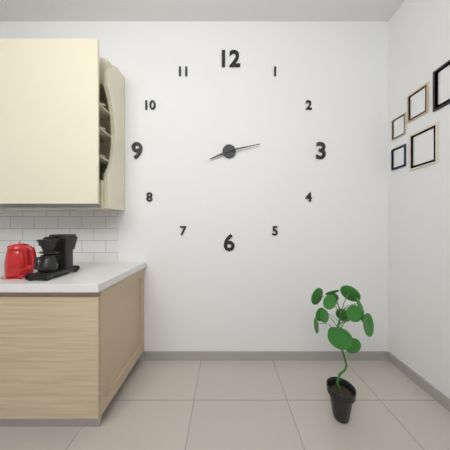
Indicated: 8 h 13 min
